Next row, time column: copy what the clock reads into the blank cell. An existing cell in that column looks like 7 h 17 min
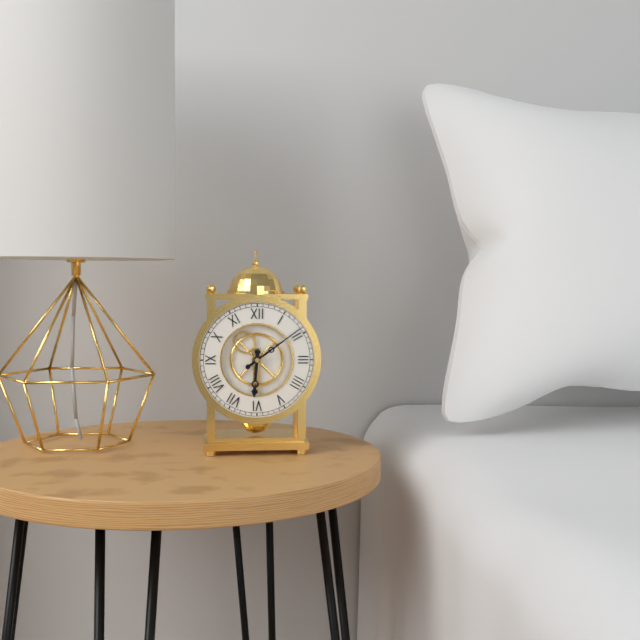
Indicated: 6 h 09 min
